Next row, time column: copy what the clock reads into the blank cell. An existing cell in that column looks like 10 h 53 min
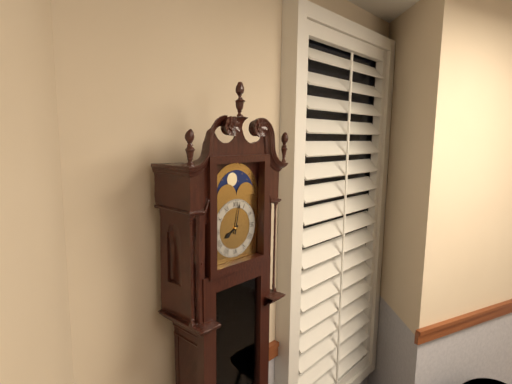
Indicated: 8 h 02 min
